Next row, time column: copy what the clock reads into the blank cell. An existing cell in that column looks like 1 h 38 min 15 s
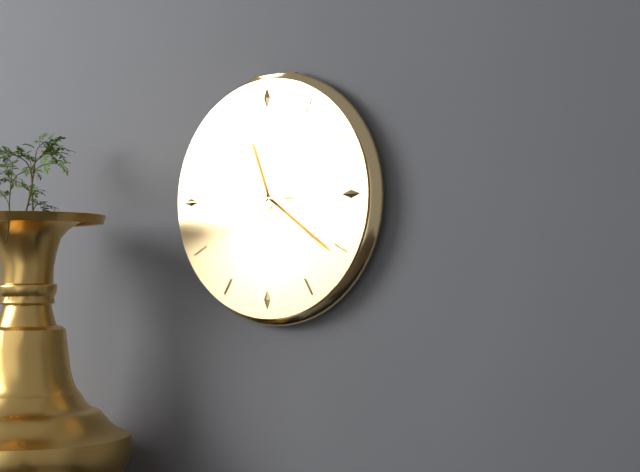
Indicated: 11 h 21 min 45 s
